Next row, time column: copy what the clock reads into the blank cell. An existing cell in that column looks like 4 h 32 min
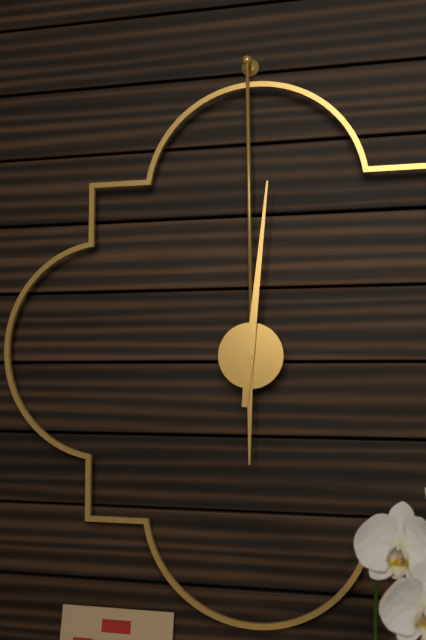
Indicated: 6 h 01 min
